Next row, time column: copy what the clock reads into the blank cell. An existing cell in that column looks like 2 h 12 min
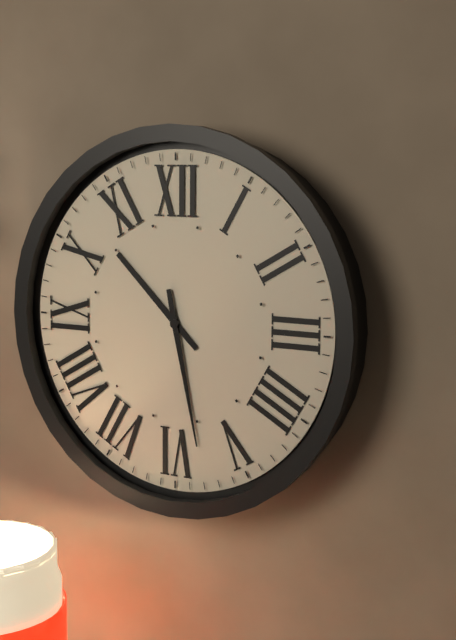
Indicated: 10 h 28 min
